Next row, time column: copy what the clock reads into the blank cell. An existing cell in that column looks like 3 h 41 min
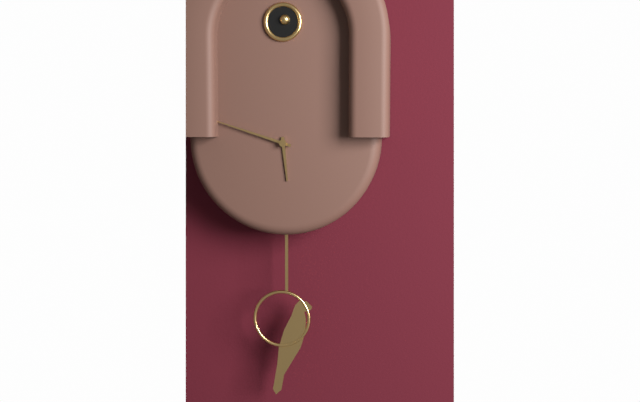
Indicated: 5 h 48 min
